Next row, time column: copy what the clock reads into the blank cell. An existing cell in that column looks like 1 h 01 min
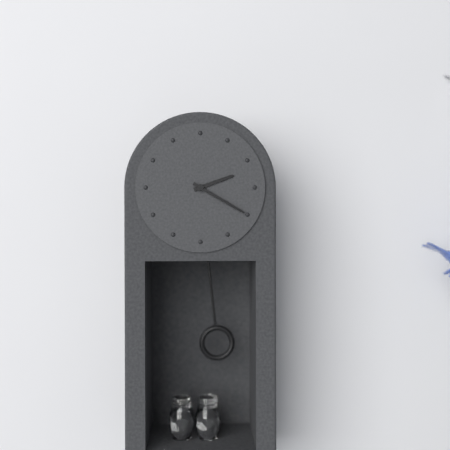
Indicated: 2 h 20 min
